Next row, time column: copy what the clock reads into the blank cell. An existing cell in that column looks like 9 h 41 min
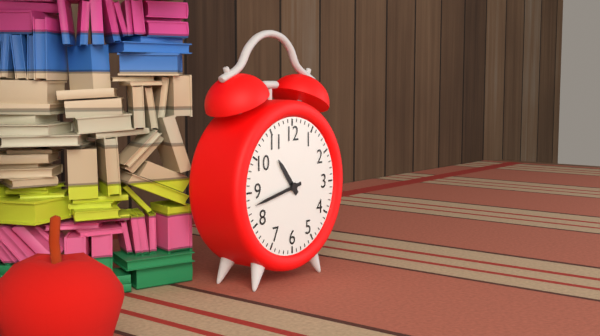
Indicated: 10 h 43 min
